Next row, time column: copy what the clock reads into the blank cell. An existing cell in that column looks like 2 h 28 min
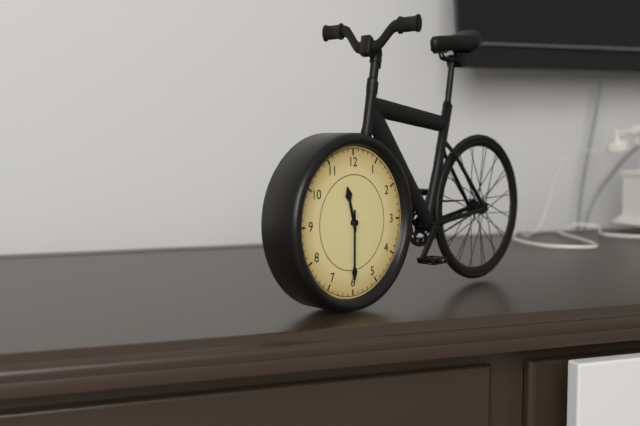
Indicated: 11 h 30 min
